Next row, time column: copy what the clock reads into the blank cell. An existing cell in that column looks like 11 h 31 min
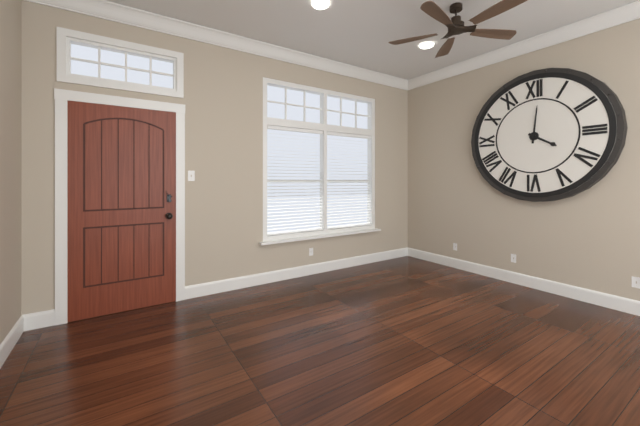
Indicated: 4 h 01 min
